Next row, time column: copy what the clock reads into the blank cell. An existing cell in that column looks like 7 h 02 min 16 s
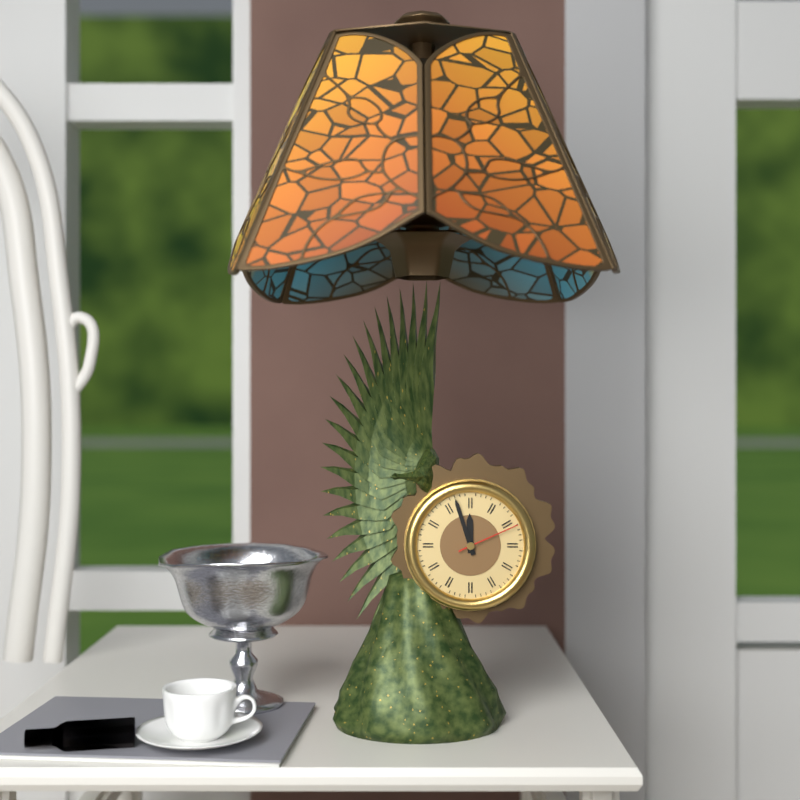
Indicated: 11 h 57 min 11 s
